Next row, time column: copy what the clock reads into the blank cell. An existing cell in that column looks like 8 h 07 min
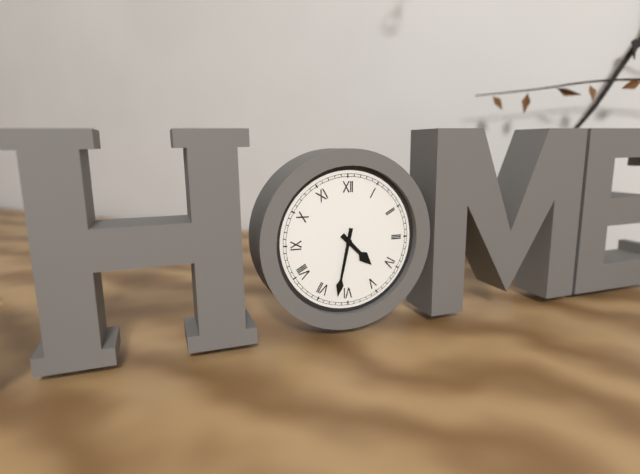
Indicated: 4 h 32 min
